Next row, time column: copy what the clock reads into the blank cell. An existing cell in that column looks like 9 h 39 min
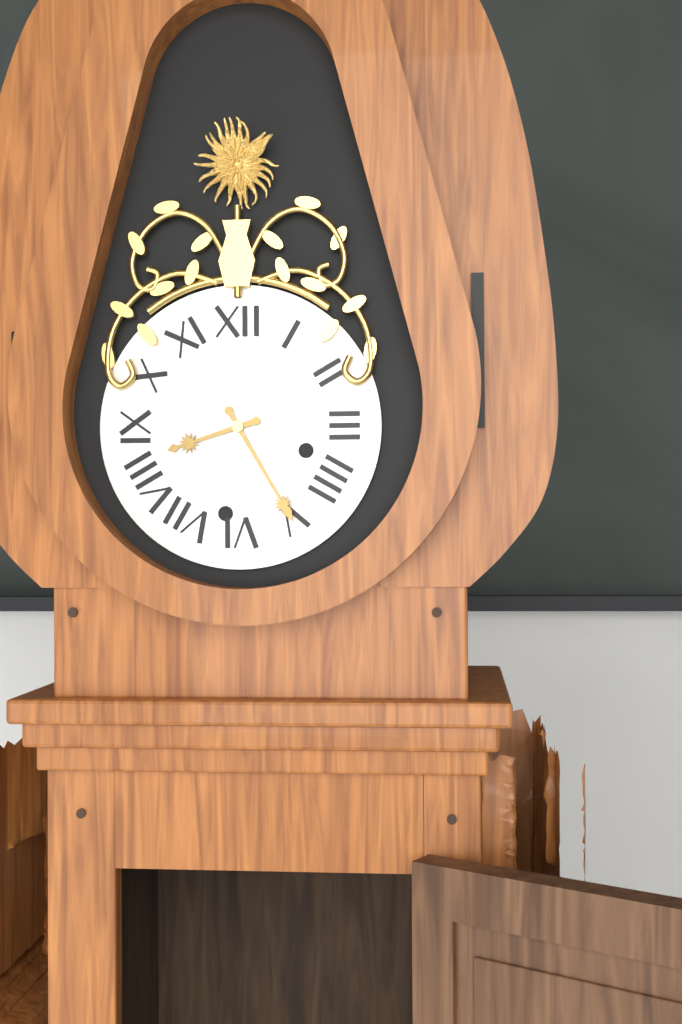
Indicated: 8 h 25 min
